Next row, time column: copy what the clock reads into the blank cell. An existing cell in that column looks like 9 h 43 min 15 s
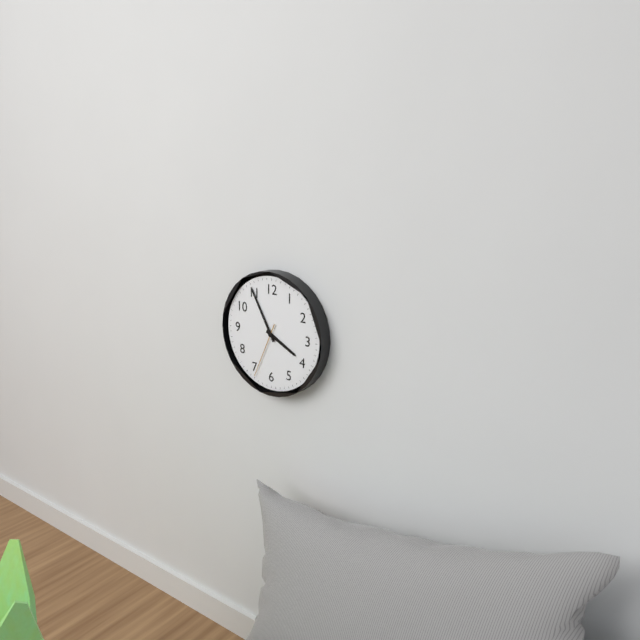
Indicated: 3 h 55 min 34 s
